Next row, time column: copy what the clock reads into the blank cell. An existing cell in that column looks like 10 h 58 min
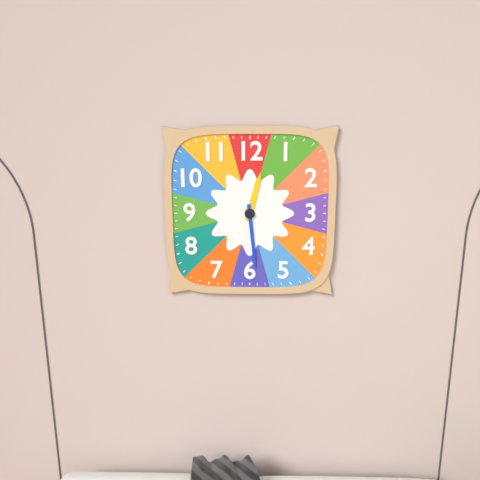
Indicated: 12 h 29 min
